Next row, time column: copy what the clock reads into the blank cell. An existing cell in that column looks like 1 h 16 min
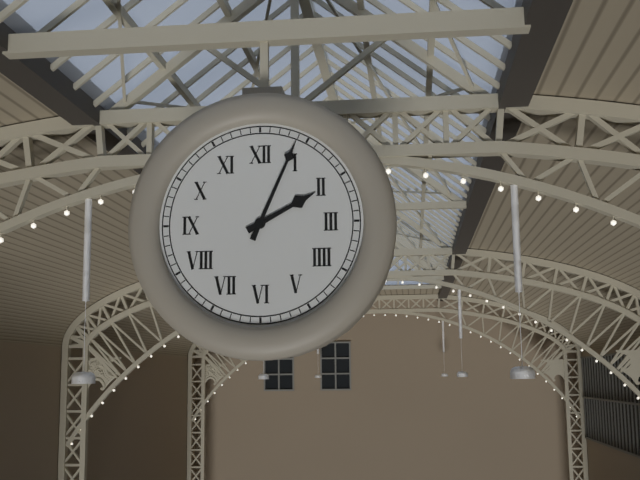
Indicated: 2 h 04 min
